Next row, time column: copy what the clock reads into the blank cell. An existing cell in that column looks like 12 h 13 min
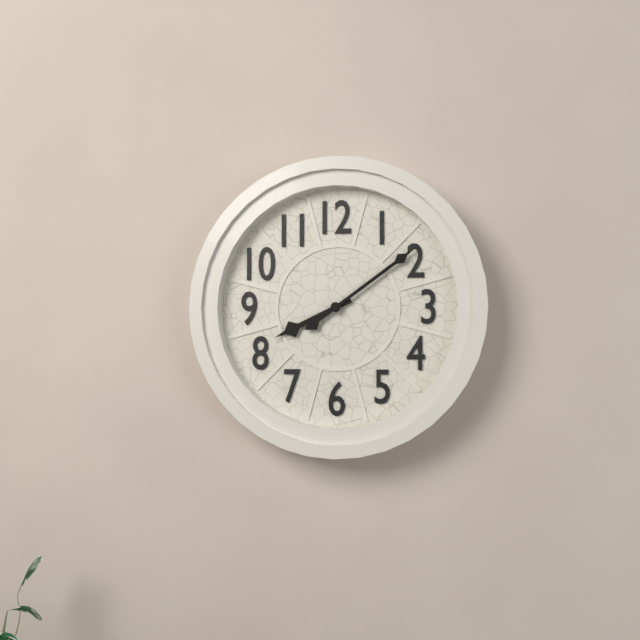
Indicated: 8 h 09 min
